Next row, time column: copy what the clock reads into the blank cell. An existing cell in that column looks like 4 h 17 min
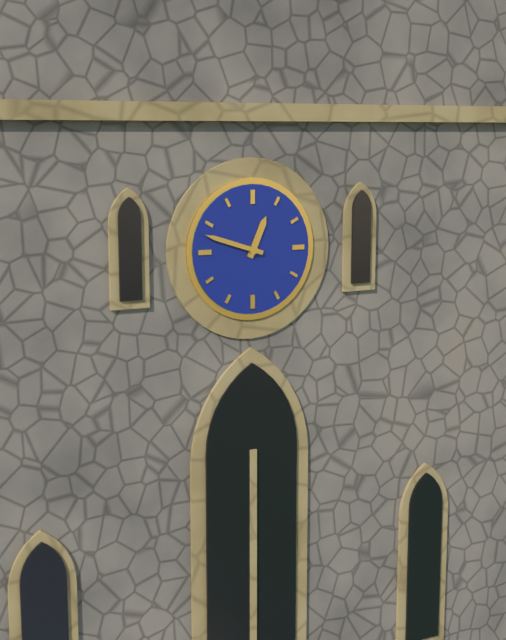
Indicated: 12 h 48 min
